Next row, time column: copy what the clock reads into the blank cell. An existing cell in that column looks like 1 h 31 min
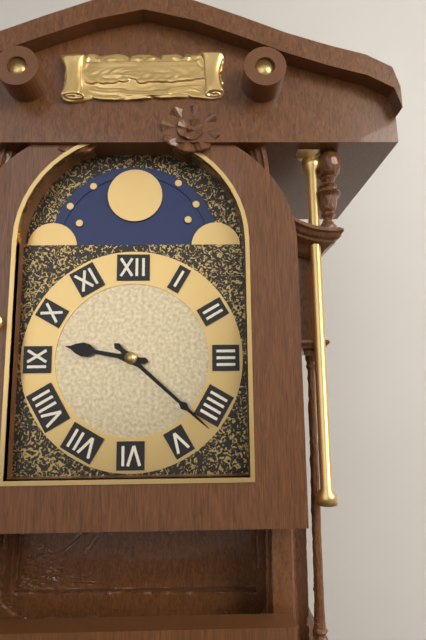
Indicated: 9 h 22 min
